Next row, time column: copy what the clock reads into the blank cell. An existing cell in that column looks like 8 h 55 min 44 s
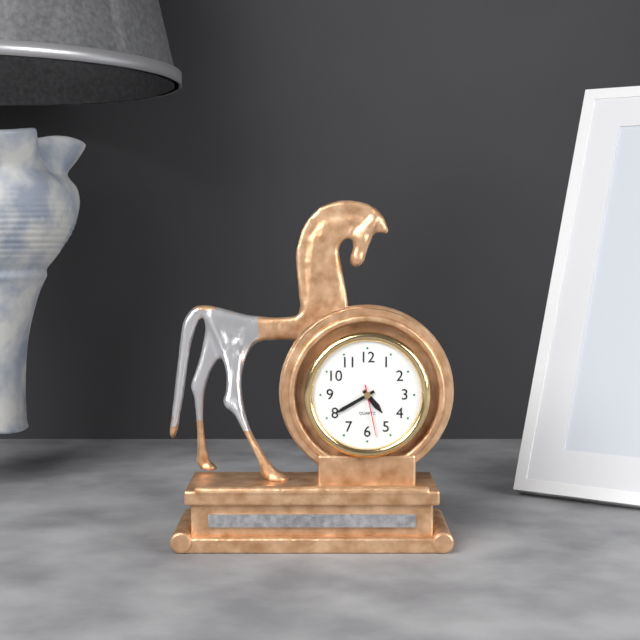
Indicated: 4 h 40 min 28 s
